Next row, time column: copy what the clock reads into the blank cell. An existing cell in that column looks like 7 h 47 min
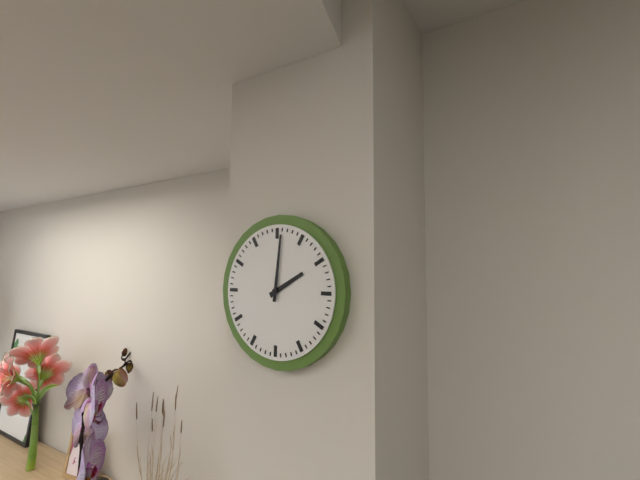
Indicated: 2 h 01 min
